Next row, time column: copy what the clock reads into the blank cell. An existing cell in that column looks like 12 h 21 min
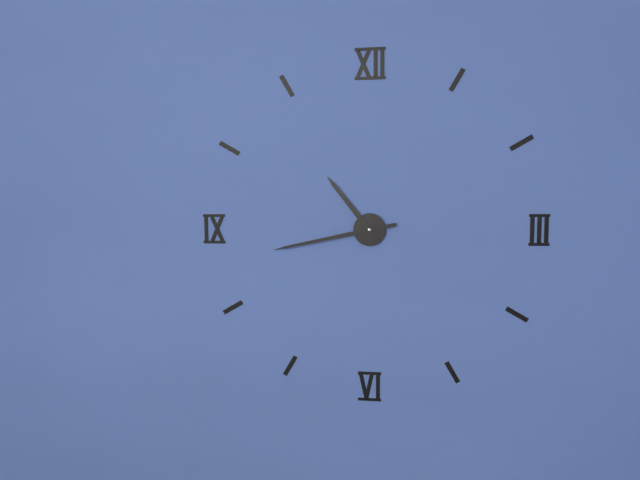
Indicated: 10 h 43 min
